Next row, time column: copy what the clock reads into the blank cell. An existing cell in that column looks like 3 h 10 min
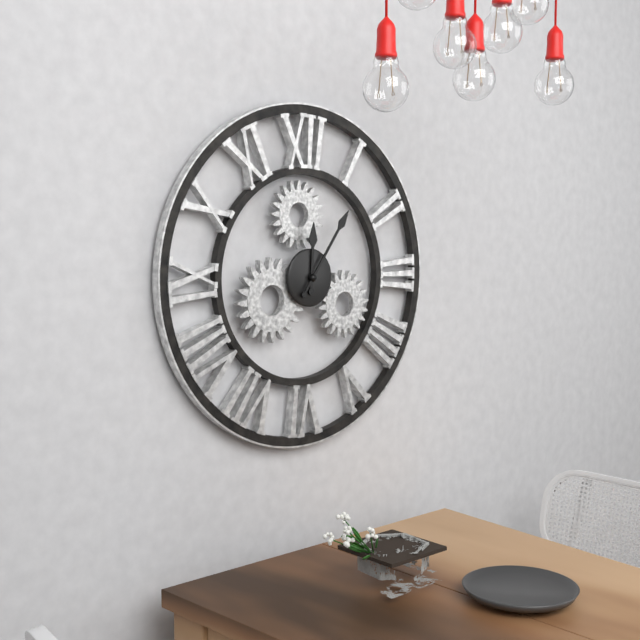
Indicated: 12 h 06 min
